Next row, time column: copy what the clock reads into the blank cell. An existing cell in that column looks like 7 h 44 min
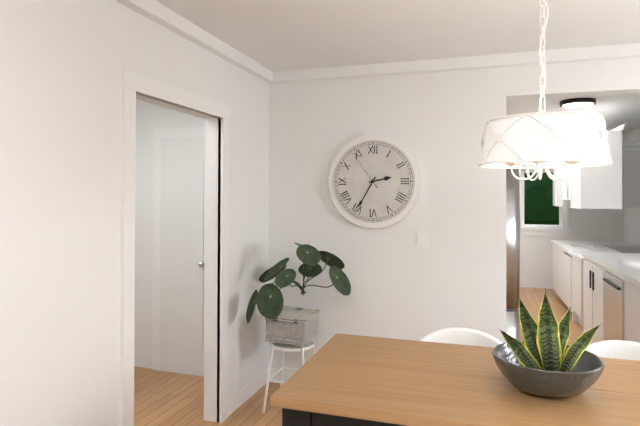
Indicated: 2 h 35 min
